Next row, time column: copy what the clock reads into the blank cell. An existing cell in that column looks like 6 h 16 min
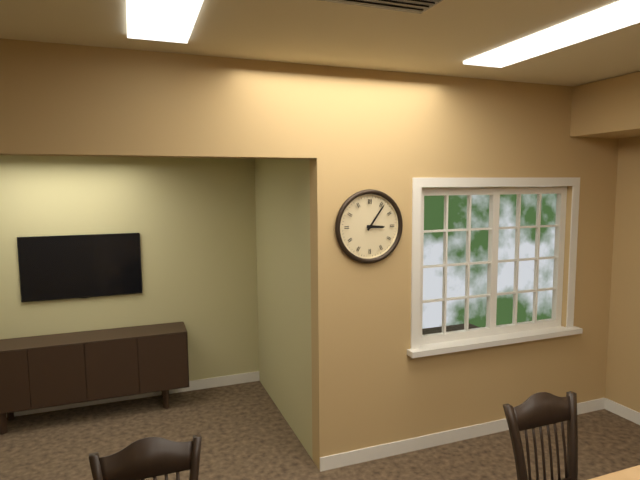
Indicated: 3 h 06 min
